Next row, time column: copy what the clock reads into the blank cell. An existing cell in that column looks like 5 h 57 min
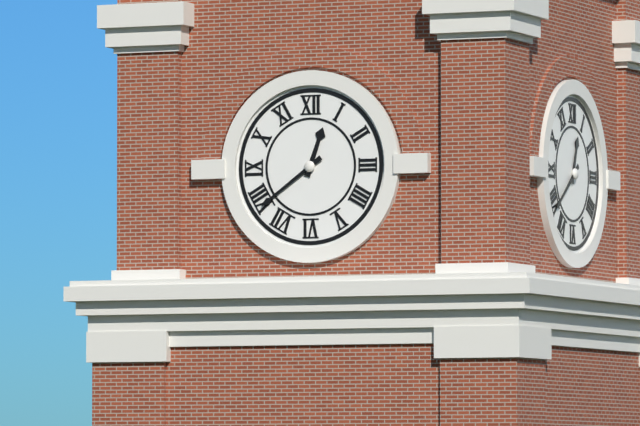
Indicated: 12 h 39 min
